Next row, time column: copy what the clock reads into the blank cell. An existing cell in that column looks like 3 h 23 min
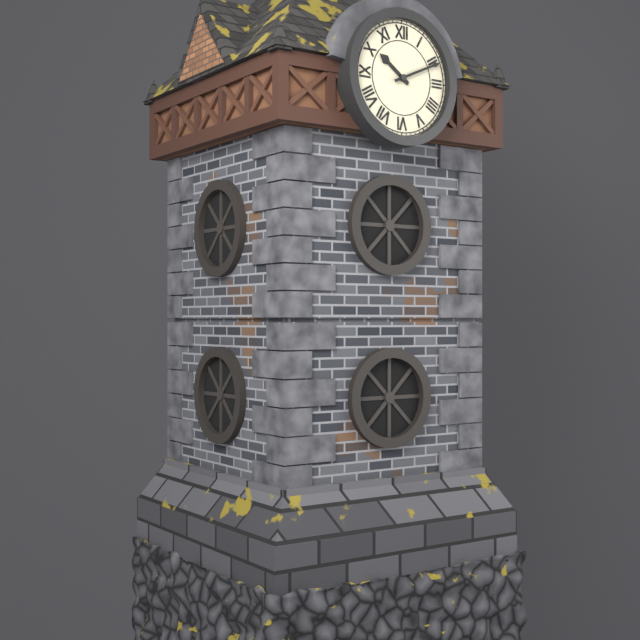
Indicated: 10 h 11 min
